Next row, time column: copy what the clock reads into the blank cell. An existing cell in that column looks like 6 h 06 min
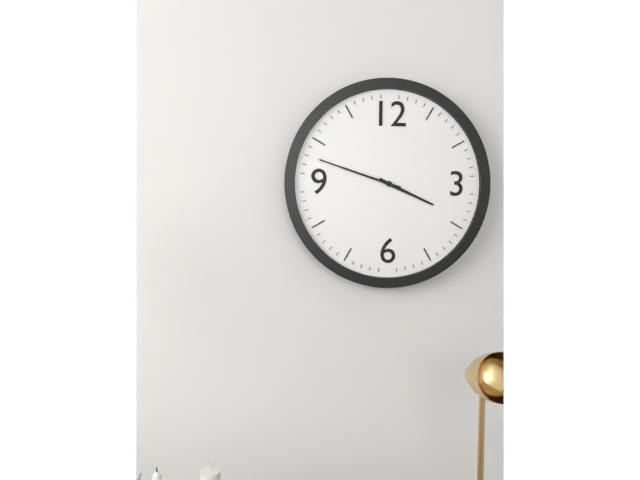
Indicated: 3 h 48 min
